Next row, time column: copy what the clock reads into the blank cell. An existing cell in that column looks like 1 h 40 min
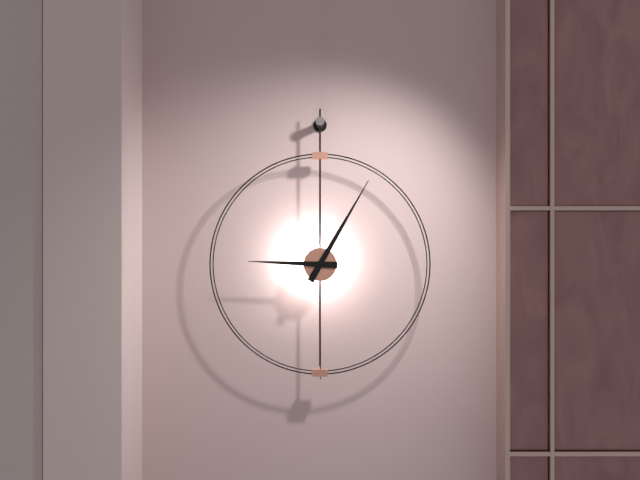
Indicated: 9 h 05 min
